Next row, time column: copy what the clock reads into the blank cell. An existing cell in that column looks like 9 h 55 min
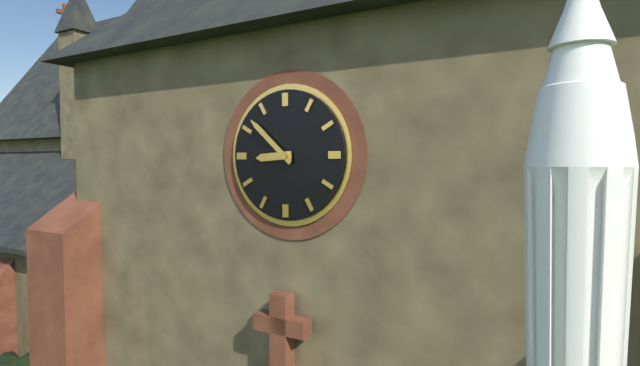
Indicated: 8 h 52 min
